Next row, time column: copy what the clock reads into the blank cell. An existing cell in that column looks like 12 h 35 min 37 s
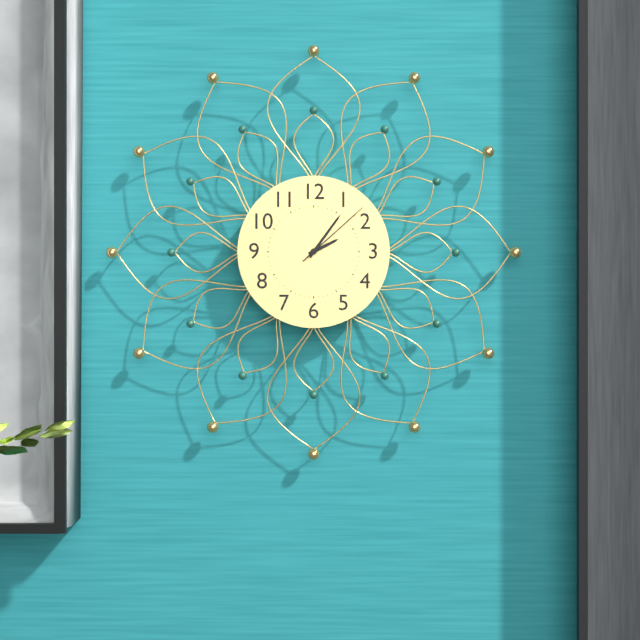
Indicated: 2 h 06 min 08 s
